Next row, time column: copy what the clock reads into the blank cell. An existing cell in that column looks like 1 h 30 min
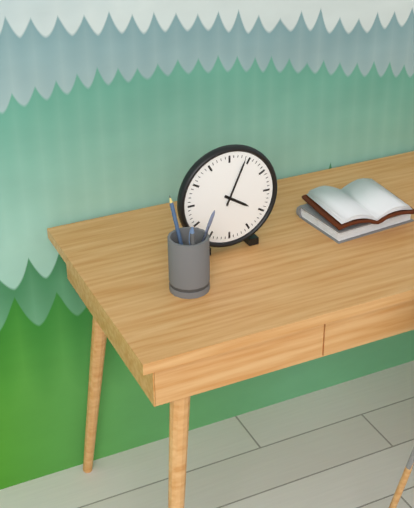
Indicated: 4 h 04 min
